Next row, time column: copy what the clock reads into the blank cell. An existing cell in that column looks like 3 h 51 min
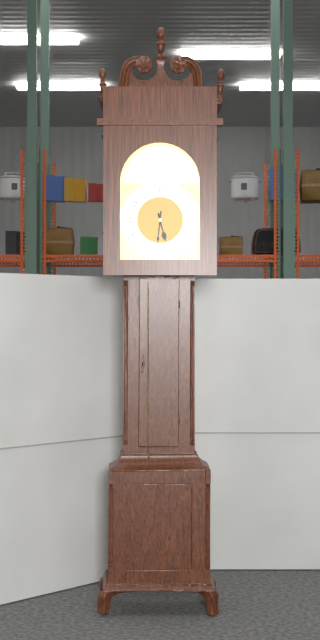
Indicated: 5 h 31 min
